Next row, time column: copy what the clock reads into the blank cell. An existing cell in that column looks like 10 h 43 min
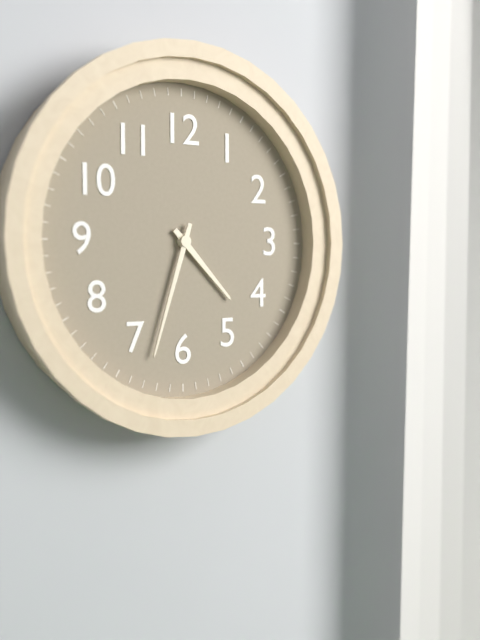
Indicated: 4 h 33 min
